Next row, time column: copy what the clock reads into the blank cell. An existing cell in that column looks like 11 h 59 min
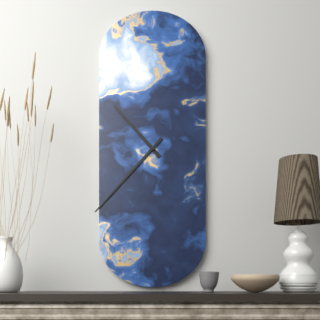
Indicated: 10 h 37 min
